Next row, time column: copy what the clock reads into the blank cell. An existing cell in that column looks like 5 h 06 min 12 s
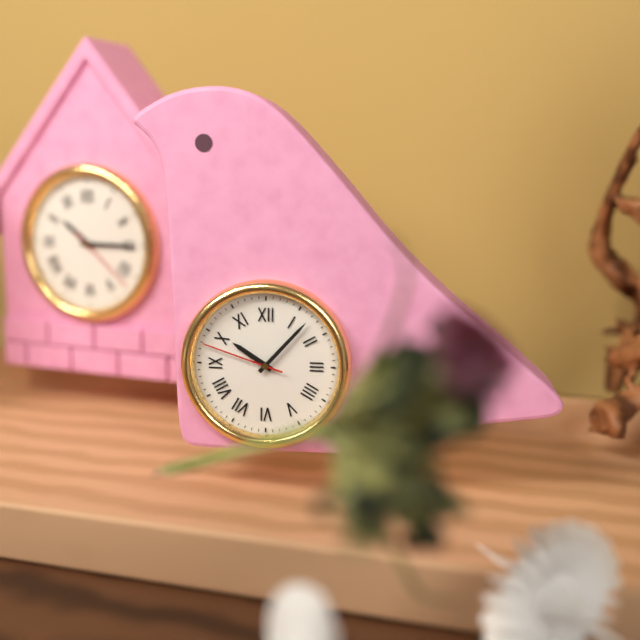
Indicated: 10 h 07 min 48 s
